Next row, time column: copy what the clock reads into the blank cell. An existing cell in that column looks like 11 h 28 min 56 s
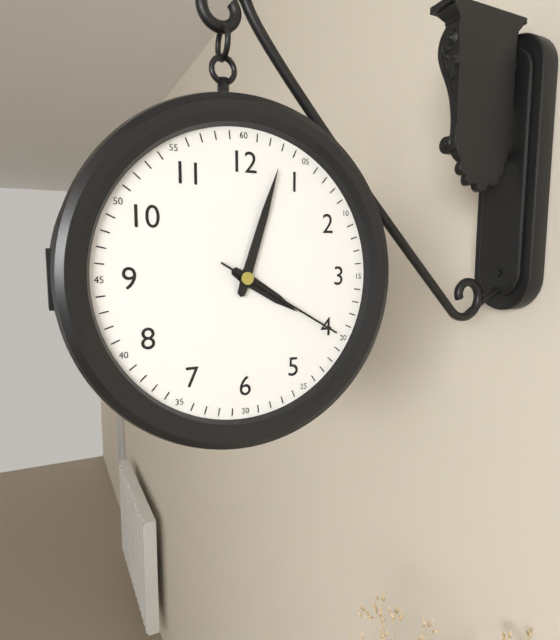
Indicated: 4 h 03 min 20 s
